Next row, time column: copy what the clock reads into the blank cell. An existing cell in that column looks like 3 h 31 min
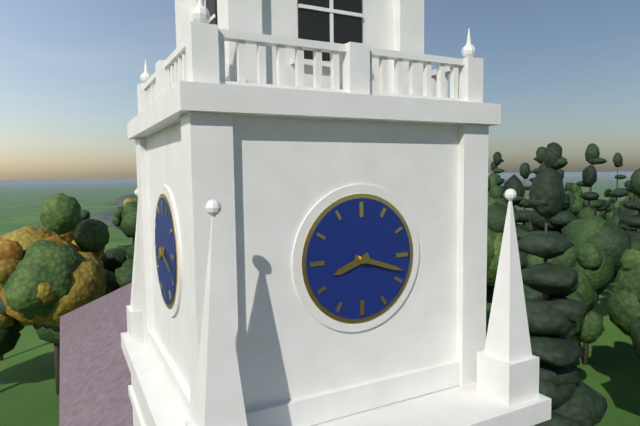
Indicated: 8 h 18 min
